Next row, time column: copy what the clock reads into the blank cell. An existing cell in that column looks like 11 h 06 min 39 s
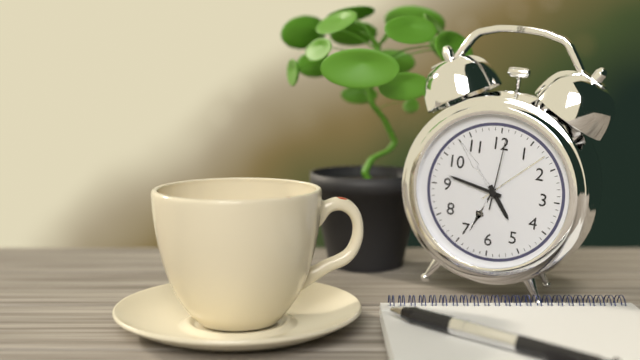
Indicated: 4 h 47 min 01 s
